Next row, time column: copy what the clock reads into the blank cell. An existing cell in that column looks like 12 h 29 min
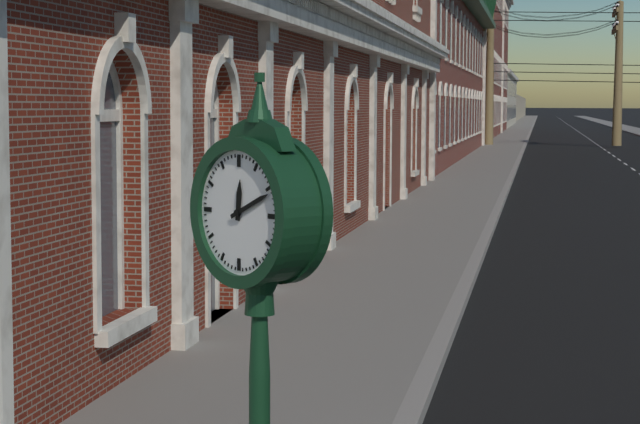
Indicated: 12 h 11 min
